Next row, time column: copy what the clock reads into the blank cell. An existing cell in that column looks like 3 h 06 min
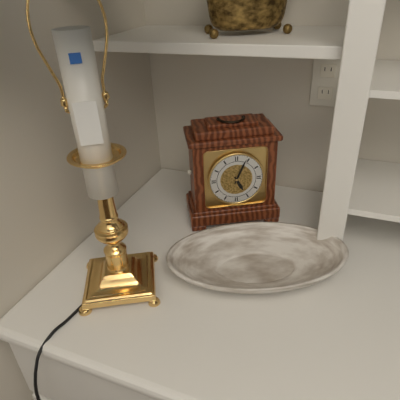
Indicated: 5 h 04 min
